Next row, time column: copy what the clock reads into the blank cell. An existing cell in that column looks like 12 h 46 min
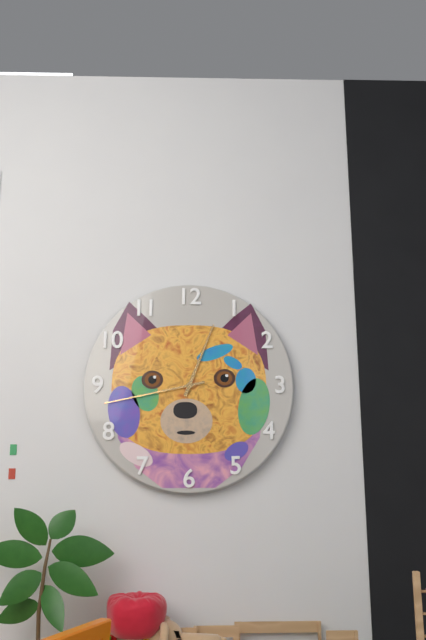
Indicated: 12 h 43 min
